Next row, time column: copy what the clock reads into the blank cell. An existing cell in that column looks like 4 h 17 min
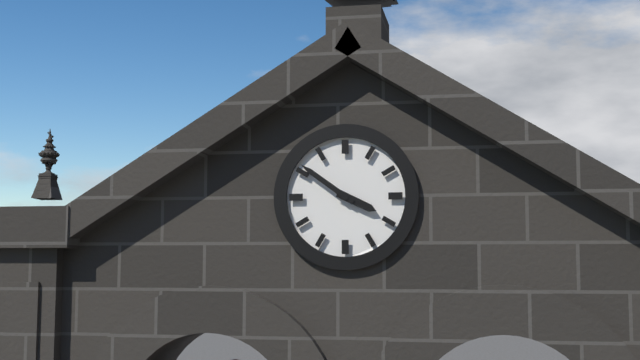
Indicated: 3 h 51 min
